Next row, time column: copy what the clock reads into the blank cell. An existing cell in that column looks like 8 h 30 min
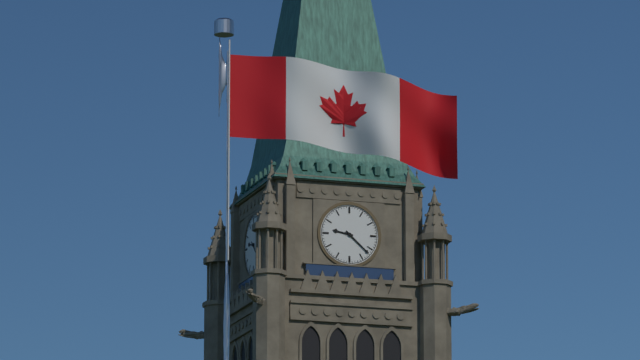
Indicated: 9 h 22 min
